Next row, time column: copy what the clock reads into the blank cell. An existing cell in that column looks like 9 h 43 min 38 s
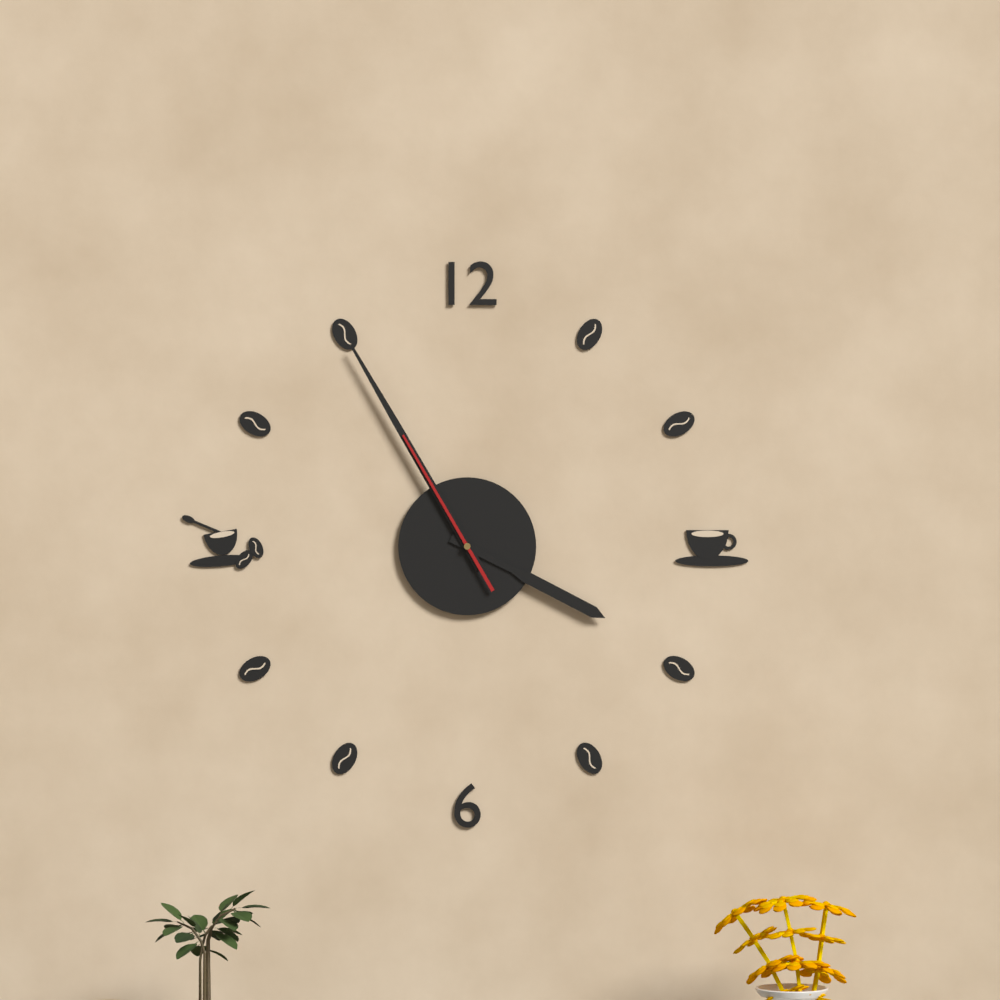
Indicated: 3 h 55 min 55 s
